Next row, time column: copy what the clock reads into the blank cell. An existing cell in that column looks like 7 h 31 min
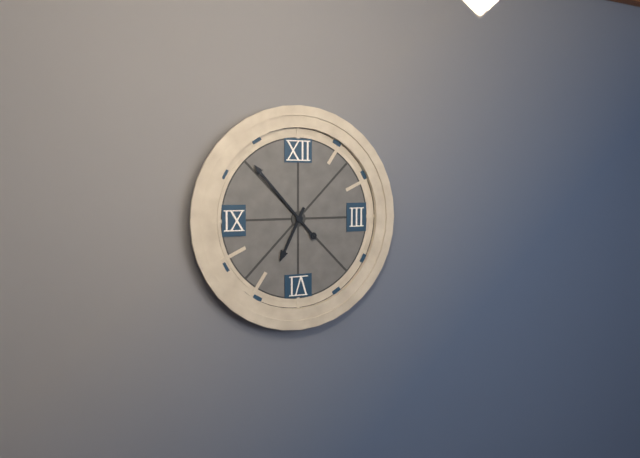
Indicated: 6 h 53 min
